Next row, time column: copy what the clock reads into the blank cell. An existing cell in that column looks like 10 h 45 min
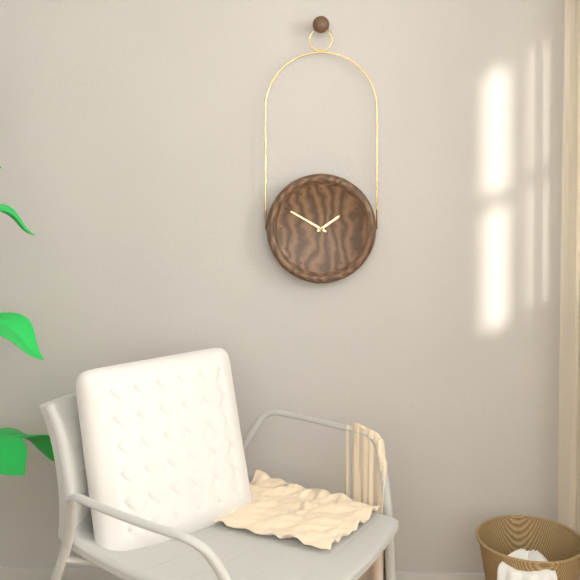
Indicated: 1 h 50 min
